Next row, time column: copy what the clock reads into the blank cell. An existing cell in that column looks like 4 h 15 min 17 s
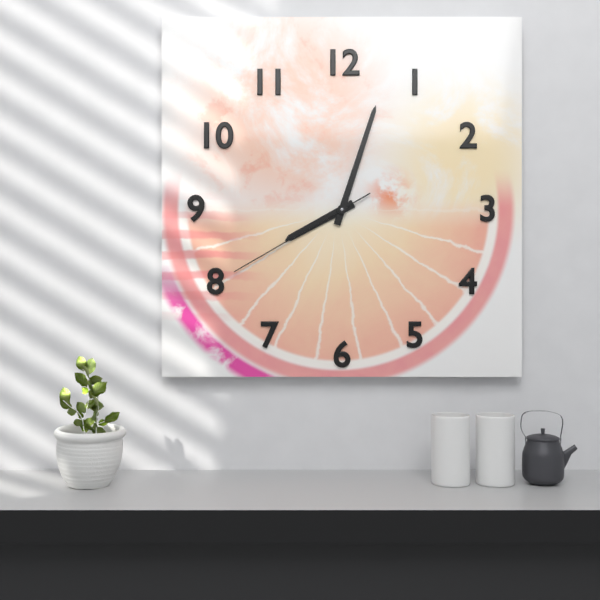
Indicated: 8 h 03 min 40 s
